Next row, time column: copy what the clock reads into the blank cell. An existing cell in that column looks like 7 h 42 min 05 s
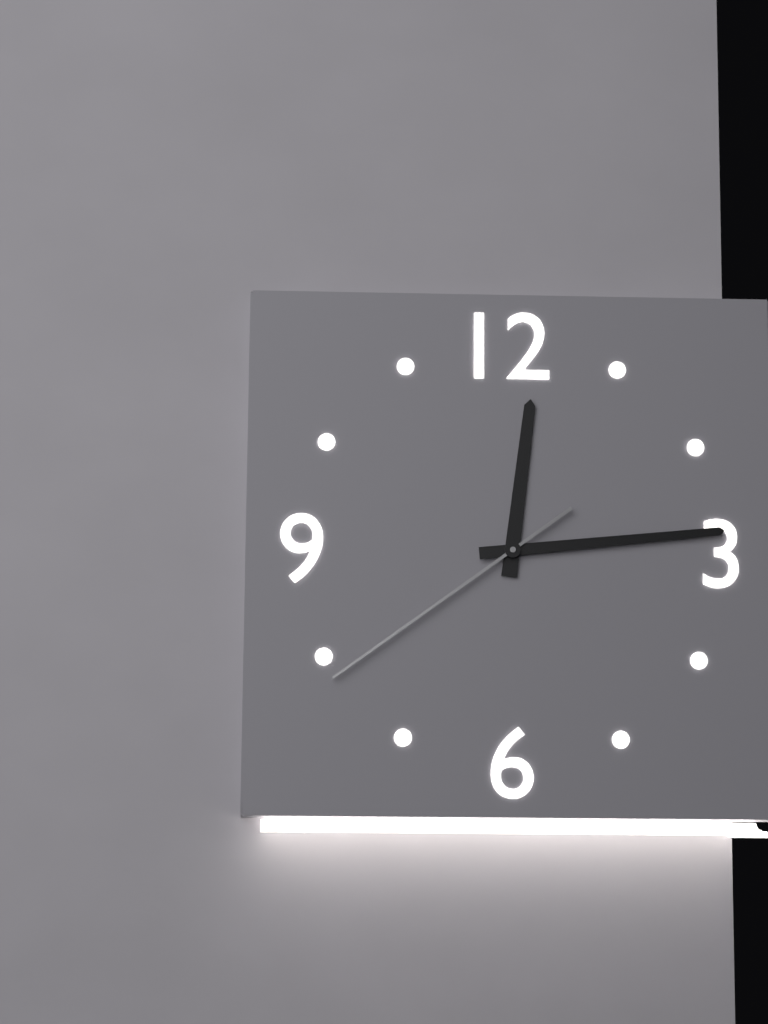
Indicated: 12 h 14 min 39 s
